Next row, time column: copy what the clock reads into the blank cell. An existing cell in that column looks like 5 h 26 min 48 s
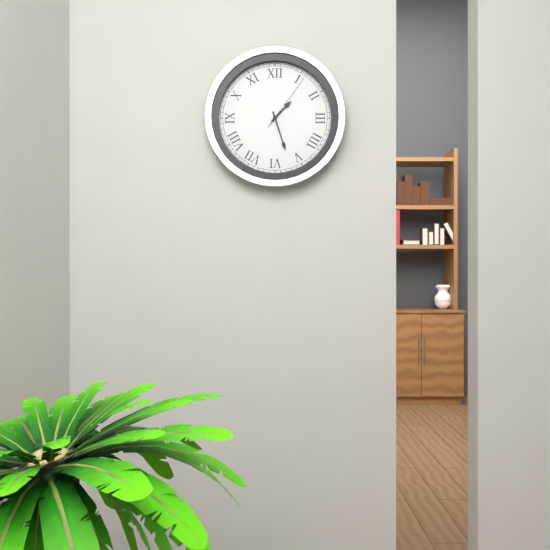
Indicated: 1 h 27 min 06 s
